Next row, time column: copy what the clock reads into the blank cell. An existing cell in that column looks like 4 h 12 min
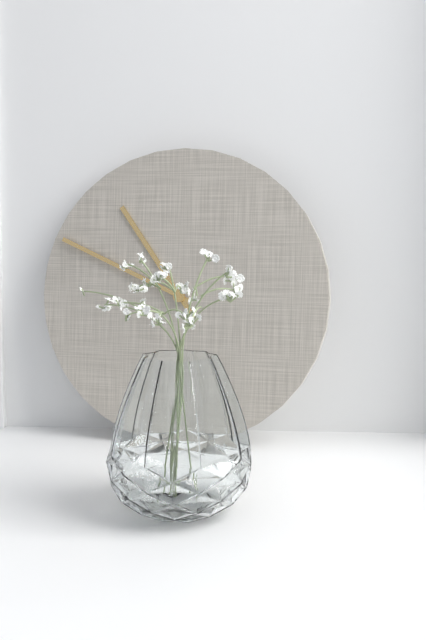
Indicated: 10 h 49 min
